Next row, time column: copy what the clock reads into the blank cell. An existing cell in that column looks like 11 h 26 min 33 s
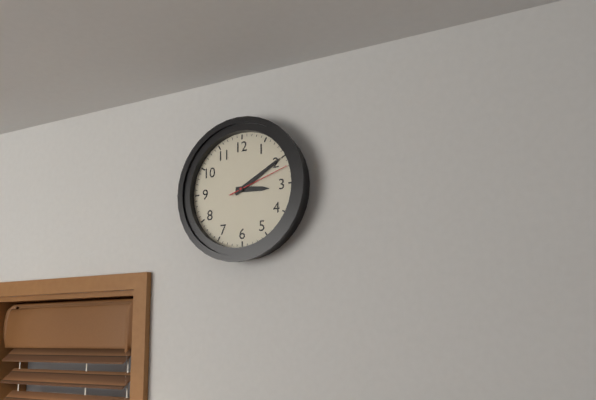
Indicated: 3 h 10 min 12 s
